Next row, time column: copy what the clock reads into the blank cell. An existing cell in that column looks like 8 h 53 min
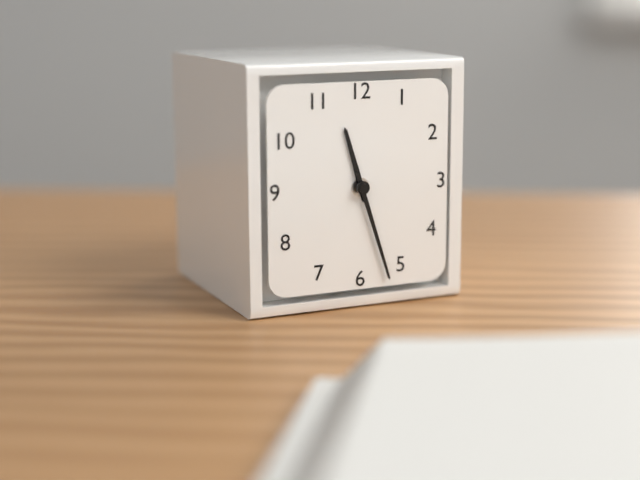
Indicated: 11 h 27 min
